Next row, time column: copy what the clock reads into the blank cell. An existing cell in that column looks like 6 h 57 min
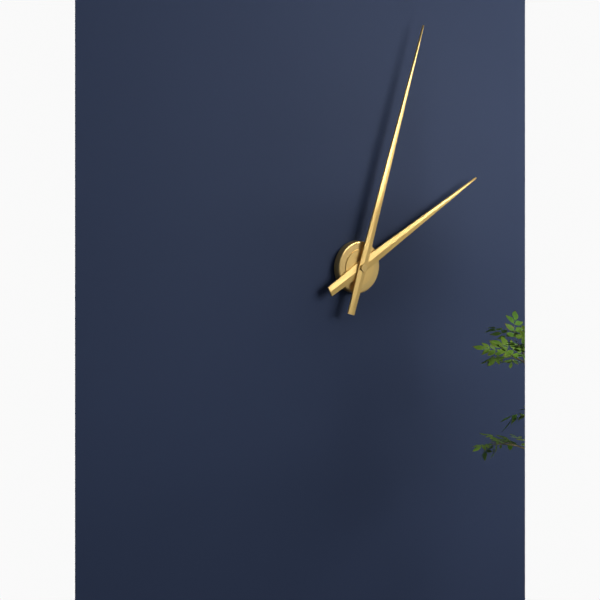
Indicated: 2 h 03 min
